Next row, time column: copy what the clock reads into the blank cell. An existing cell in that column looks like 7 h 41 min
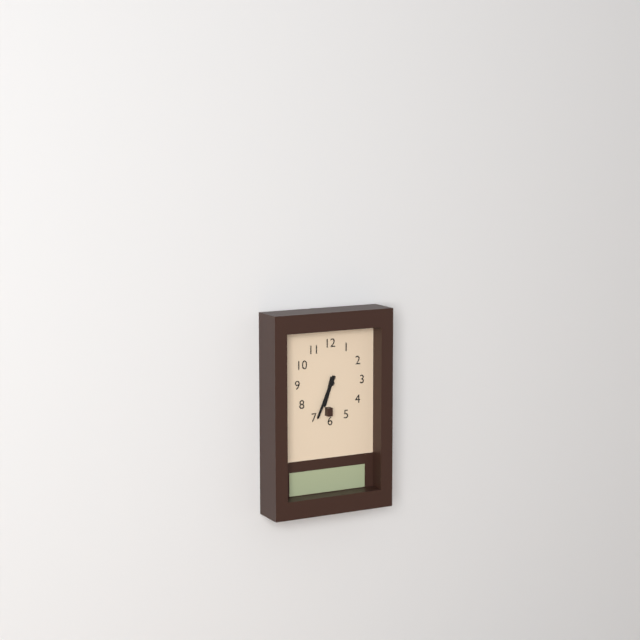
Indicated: 6 h 34 min
